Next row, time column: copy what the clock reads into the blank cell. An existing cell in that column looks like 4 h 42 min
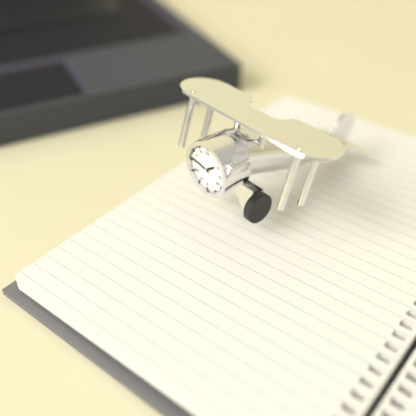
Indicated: 1 h 47 min
